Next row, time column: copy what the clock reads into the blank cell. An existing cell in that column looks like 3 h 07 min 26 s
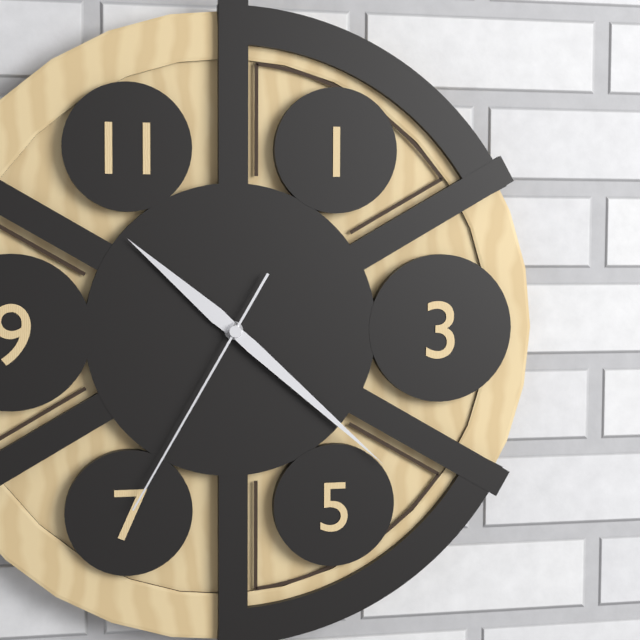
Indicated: 10 h 22 min 35 s
